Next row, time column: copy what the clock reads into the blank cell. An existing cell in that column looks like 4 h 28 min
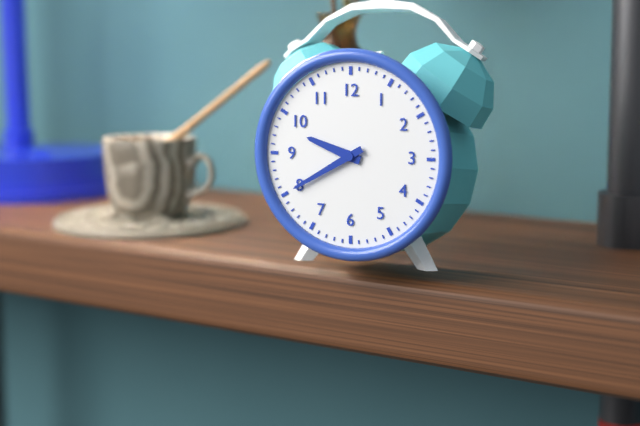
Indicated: 9 h 40 min
